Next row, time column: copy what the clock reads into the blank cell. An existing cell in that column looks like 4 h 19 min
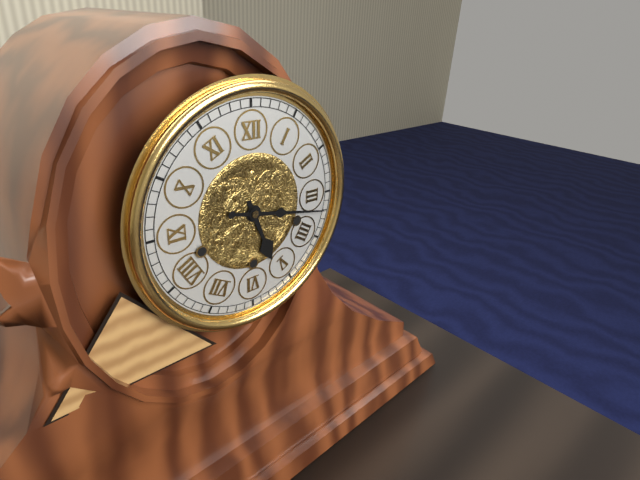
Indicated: 5 h 17 min
